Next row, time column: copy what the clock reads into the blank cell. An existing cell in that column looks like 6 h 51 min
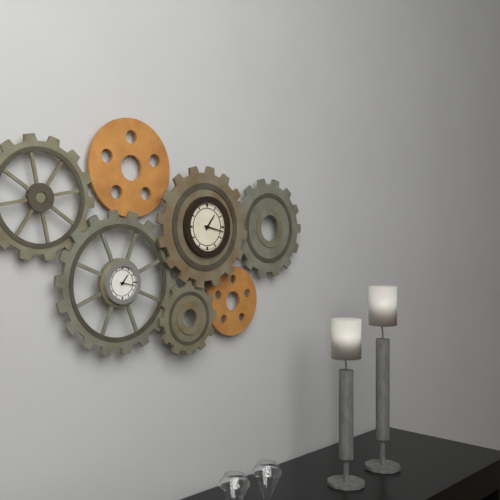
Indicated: 1 h 17 min
